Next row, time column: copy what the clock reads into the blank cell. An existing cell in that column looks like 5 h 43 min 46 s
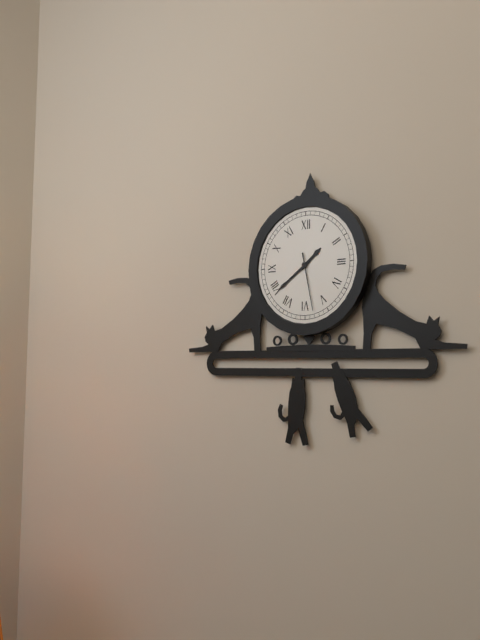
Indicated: 1 h 39 min 28 s
